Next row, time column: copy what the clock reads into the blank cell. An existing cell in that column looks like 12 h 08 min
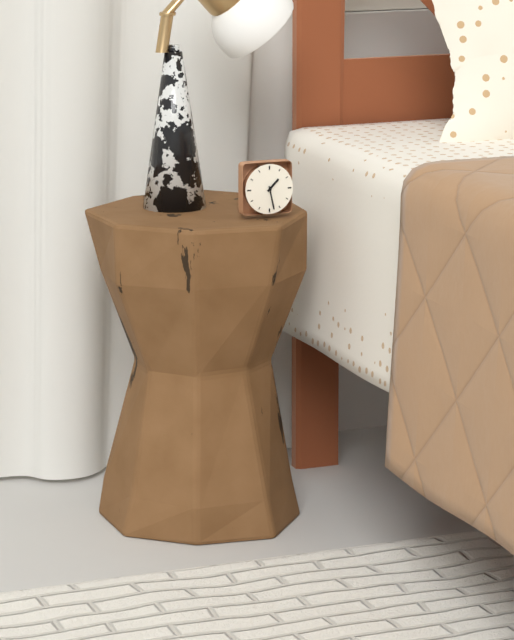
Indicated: 1 h 28 min
